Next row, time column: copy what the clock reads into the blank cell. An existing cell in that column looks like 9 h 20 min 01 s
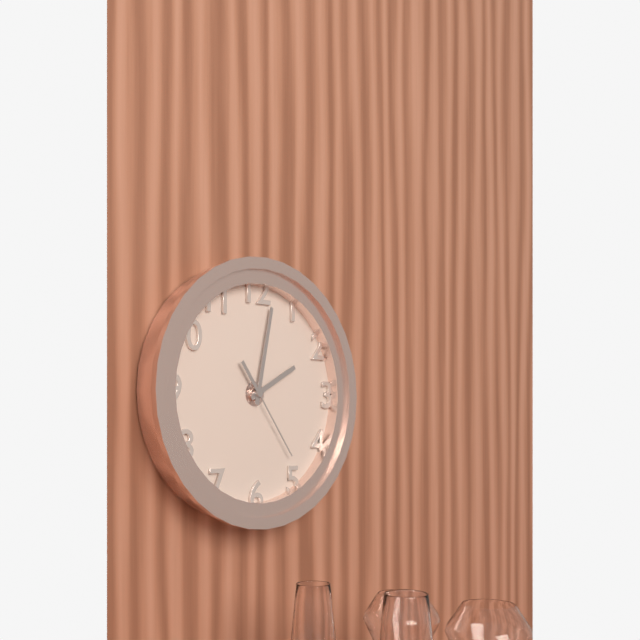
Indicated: 2 h 02 min 24 s
